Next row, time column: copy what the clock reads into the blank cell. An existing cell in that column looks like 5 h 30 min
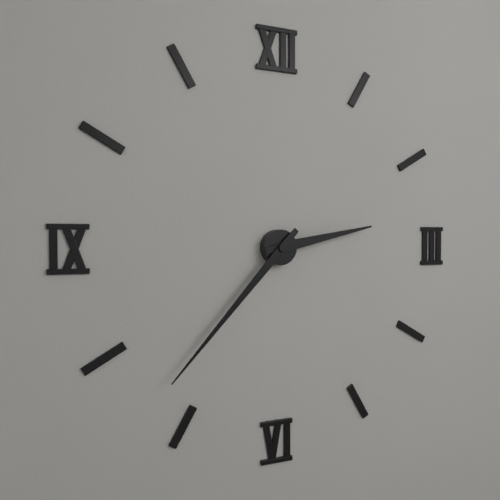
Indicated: 2 h 37 min
